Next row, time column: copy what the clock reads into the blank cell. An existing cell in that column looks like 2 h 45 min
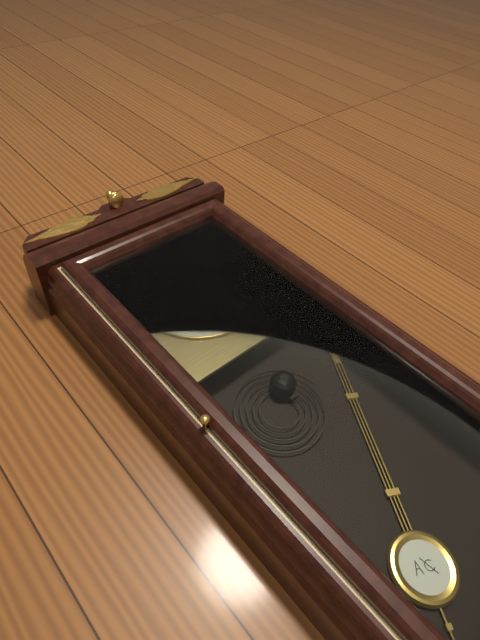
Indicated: 9 h 04 min
